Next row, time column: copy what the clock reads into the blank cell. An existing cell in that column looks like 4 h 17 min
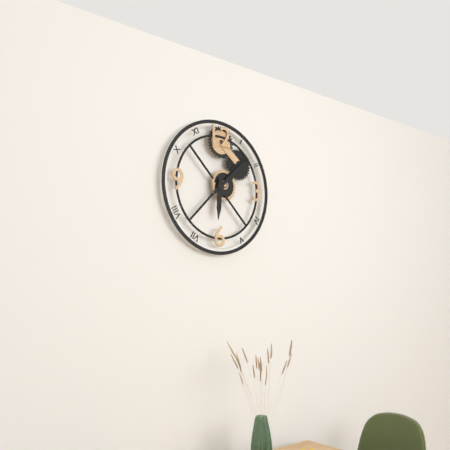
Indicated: 6 h 08 min
